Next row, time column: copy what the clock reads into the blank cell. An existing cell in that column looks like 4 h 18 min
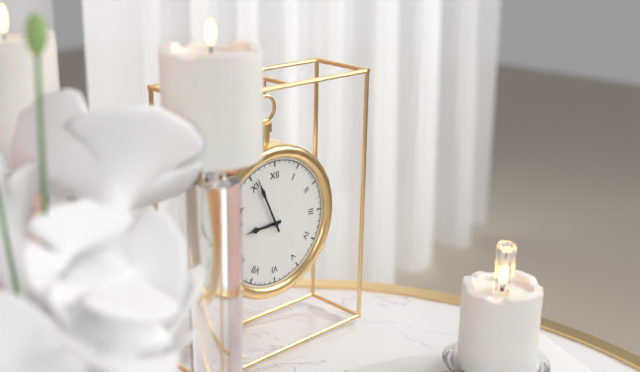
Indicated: 8 h 56 min
